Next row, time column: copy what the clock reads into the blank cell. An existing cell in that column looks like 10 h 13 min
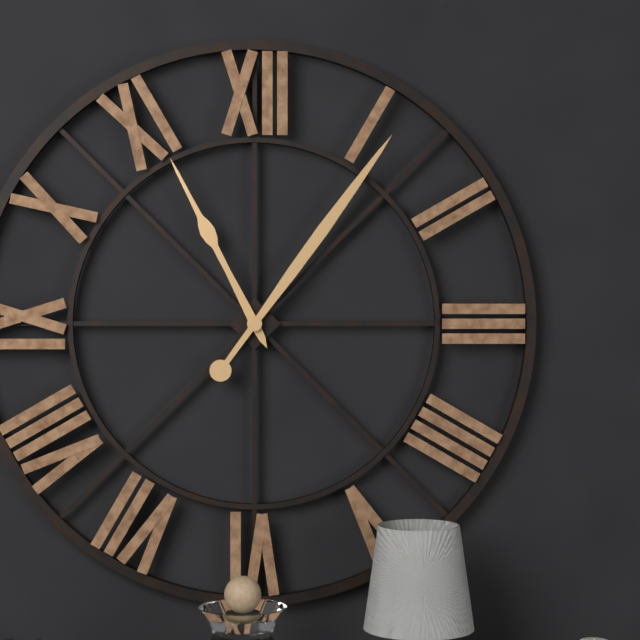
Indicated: 11 h 06 min
